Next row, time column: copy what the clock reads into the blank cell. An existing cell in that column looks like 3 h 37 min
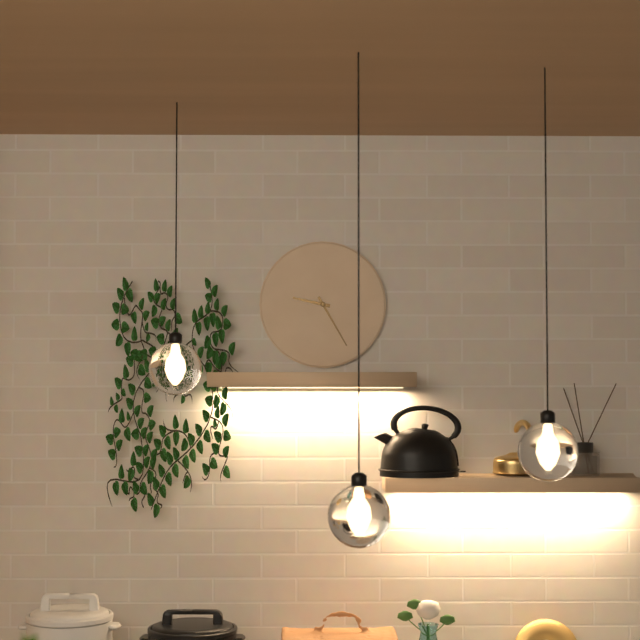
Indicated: 9 h 25 min
